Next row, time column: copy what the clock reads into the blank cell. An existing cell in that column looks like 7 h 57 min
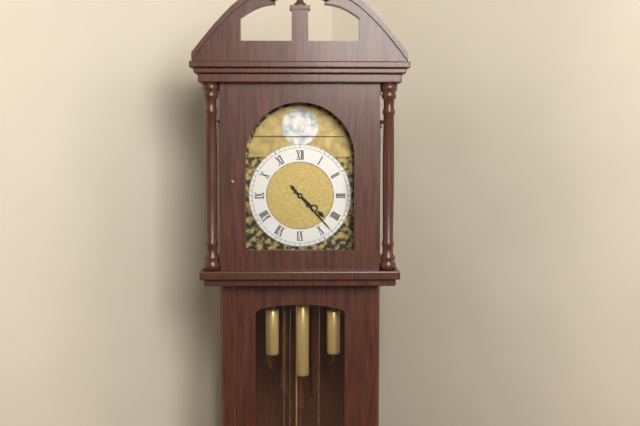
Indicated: 4 h 23 min
